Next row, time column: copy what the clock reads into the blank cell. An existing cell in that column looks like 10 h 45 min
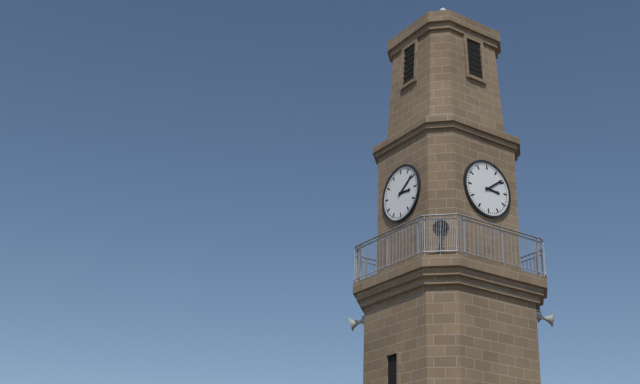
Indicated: 3 h 09 min
